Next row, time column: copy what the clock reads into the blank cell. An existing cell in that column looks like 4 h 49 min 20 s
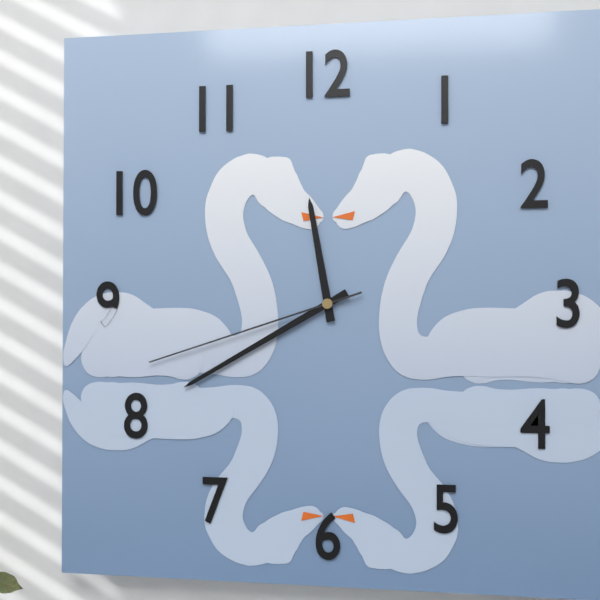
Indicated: 11 h 40 min 42 s
